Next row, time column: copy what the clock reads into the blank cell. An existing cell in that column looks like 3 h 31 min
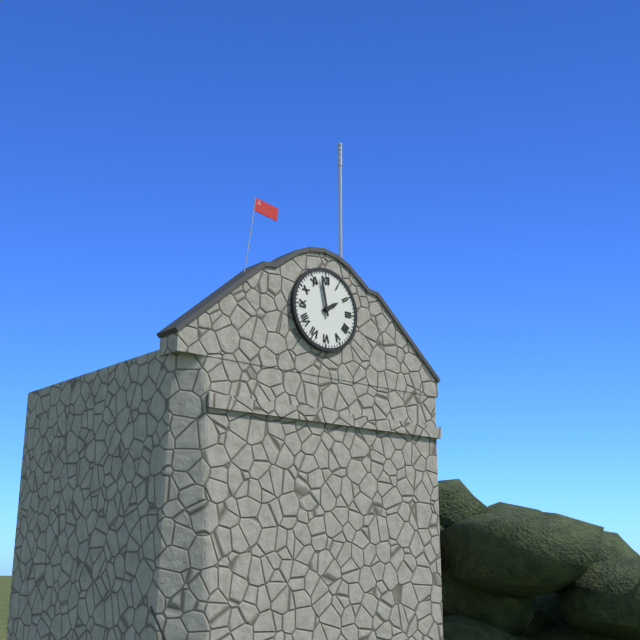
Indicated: 1 h 58 min
